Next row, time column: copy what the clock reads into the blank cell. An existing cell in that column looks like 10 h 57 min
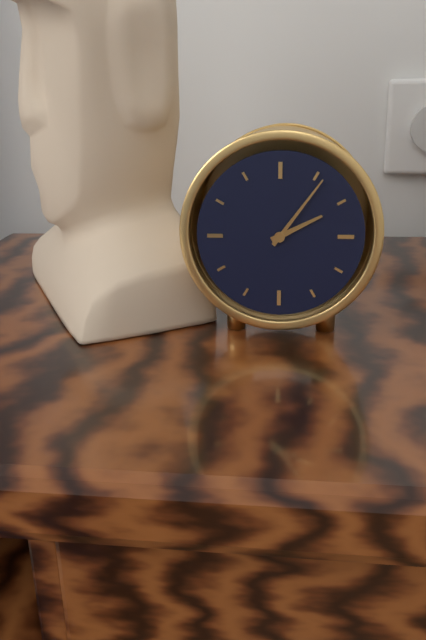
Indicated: 2 h 06 min
